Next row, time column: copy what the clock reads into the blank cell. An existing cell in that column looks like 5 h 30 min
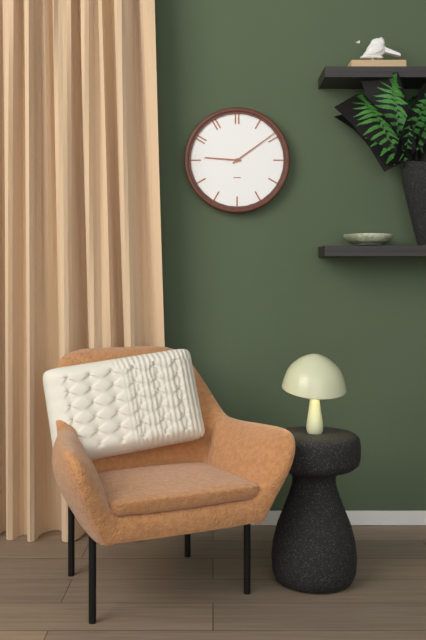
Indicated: 9 h 09 min
